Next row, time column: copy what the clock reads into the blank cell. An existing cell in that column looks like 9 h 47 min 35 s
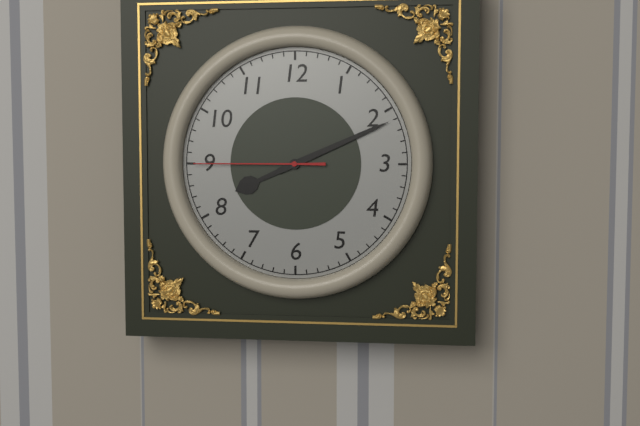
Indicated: 8 h 11 min 45 s
